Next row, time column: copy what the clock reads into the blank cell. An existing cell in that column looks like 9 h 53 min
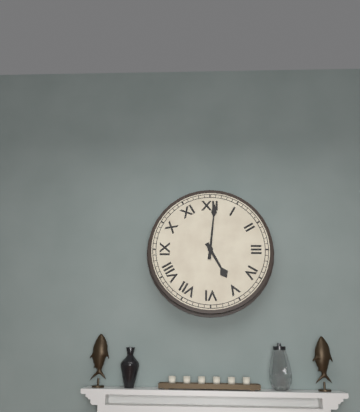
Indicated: 5 h 01 min
